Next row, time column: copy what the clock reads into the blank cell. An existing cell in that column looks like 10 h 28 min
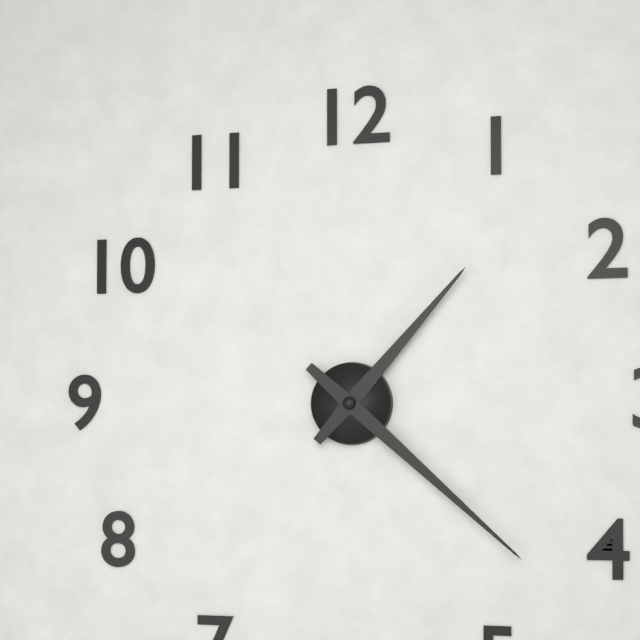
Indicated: 1 h 22 min
